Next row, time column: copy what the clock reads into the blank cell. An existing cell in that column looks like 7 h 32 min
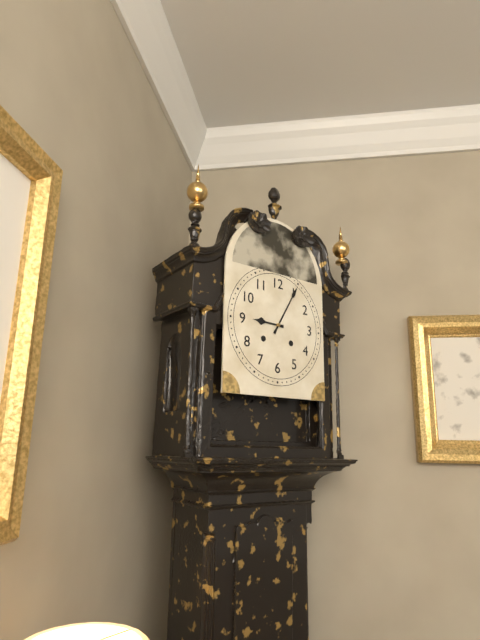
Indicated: 9 h 05 min
